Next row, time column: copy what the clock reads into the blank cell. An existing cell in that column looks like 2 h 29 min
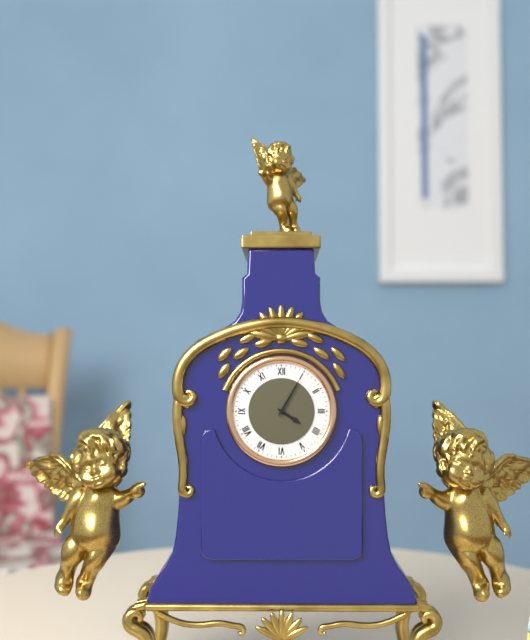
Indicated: 4 h 05 min
